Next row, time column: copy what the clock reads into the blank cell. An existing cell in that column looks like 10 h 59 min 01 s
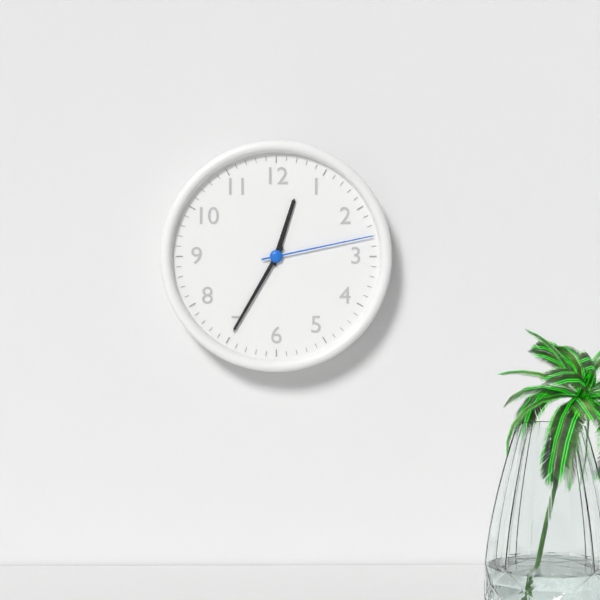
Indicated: 12 h 35 min 13 s
